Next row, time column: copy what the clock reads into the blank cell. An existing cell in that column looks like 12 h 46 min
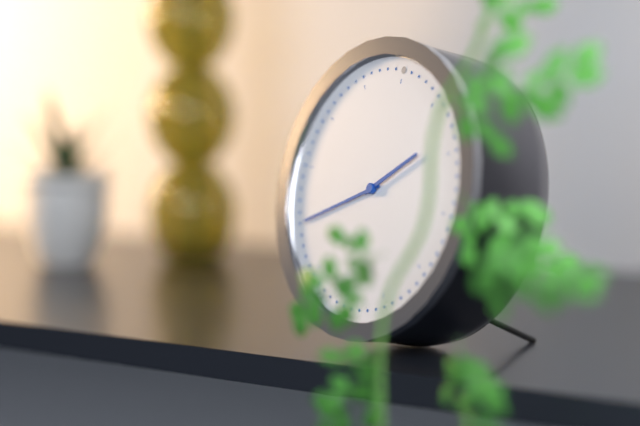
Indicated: 1 h 40 min
